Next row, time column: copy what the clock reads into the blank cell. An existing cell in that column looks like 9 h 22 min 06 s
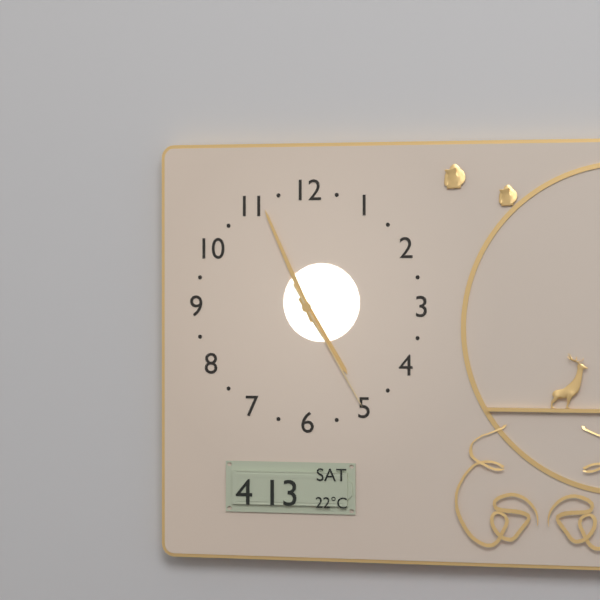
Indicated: 4 h 56 min 25 s
